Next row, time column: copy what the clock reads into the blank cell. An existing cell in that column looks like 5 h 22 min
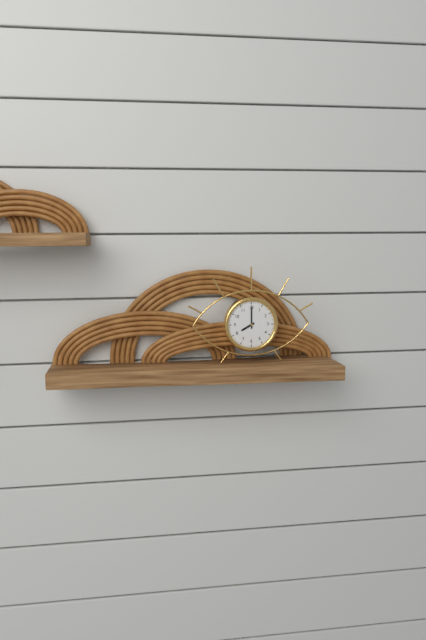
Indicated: 8 h 00 min
